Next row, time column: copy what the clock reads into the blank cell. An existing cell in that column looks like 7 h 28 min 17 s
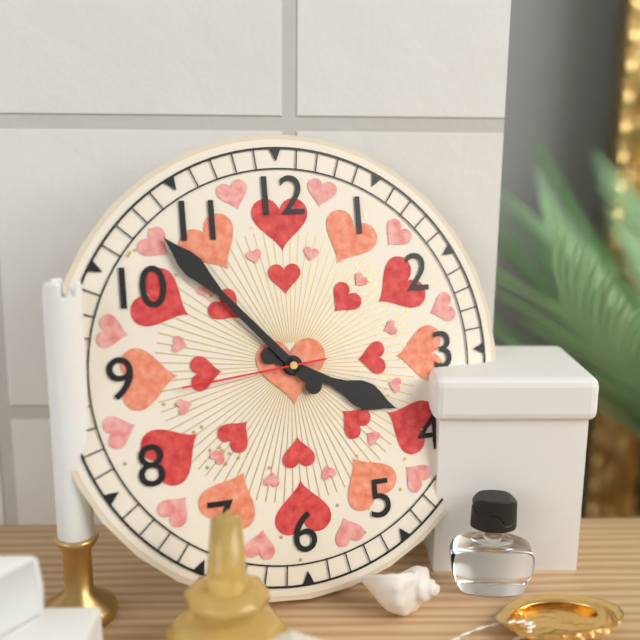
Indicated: 3 h 53 min 44 s
